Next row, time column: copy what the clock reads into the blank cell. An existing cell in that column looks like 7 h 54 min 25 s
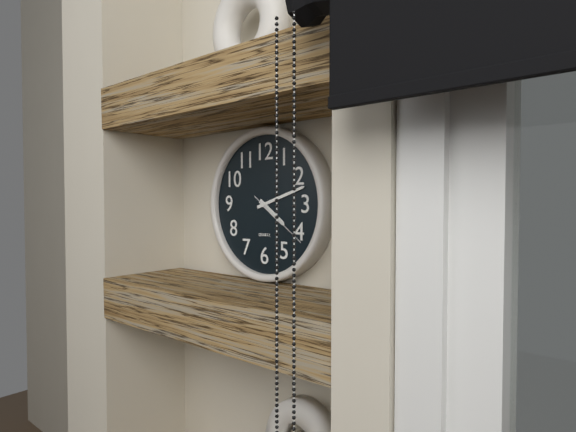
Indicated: 4 h 12 min 21 s
